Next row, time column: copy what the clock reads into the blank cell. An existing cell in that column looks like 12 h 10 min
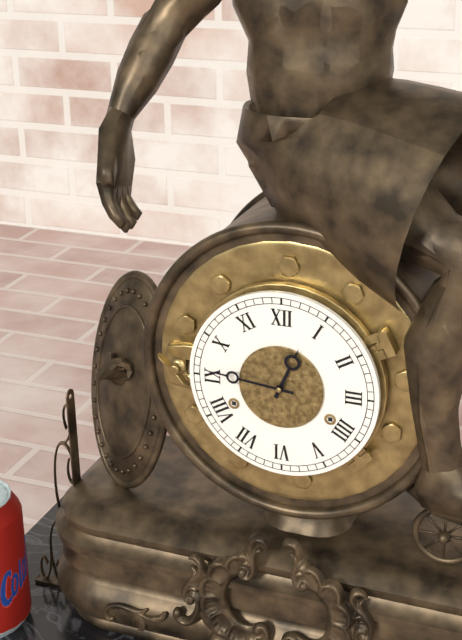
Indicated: 12 h 46 min
